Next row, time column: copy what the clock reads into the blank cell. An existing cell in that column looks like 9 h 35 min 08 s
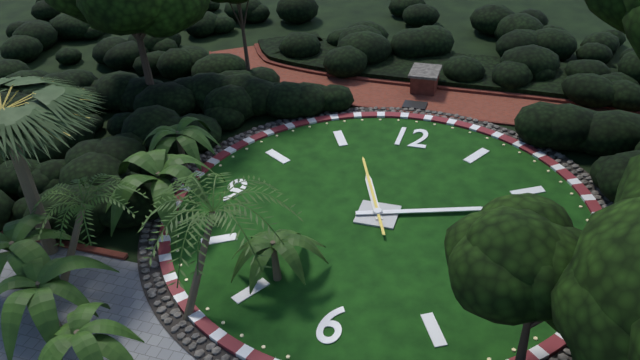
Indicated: 11 h 12 min 56 s
